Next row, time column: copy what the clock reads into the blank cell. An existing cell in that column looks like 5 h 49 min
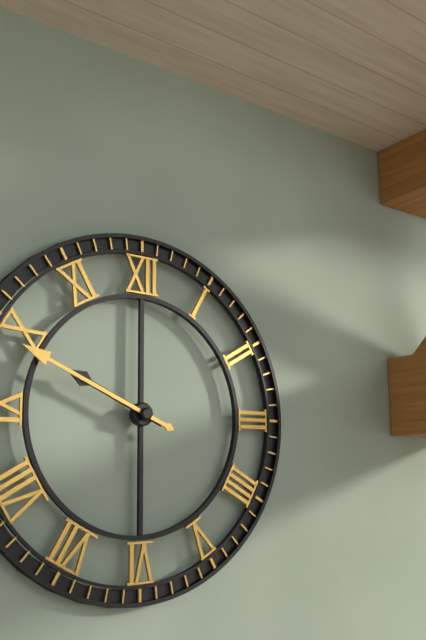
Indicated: 9 h 49 min
